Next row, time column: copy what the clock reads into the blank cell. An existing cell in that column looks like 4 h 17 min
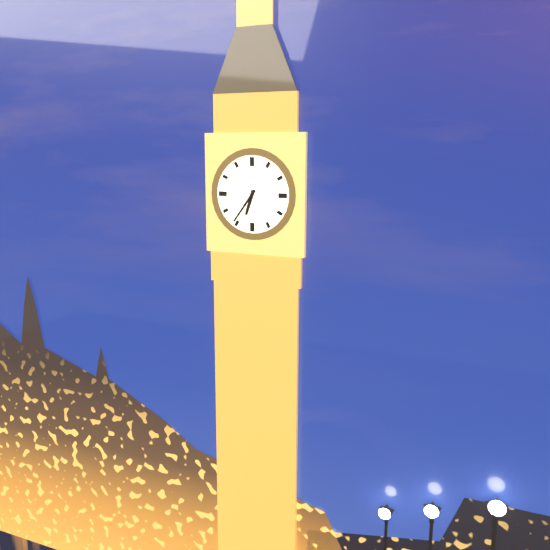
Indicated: 6 h 36 min
